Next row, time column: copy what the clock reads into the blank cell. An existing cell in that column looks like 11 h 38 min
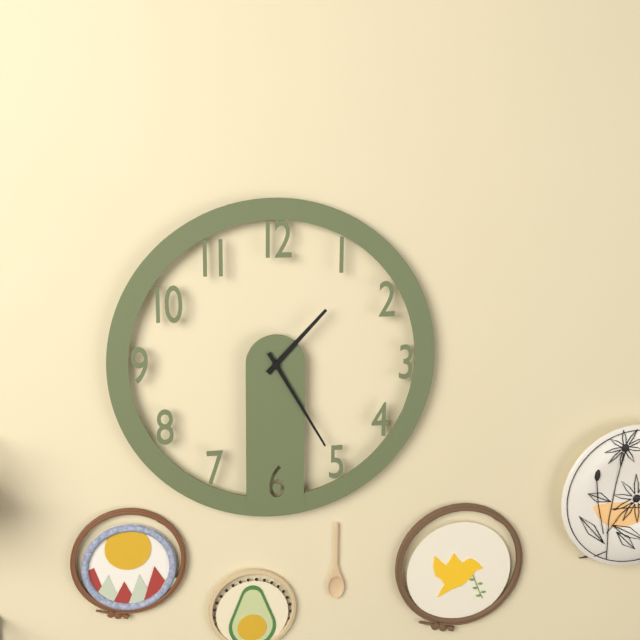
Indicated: 1 h 25 min
